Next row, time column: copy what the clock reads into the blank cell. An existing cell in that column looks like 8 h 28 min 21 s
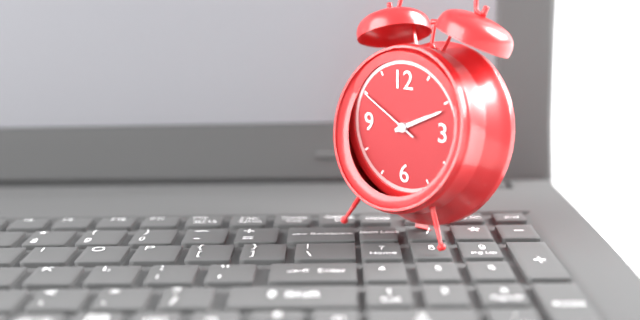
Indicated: 2 h 11 min 50 s
